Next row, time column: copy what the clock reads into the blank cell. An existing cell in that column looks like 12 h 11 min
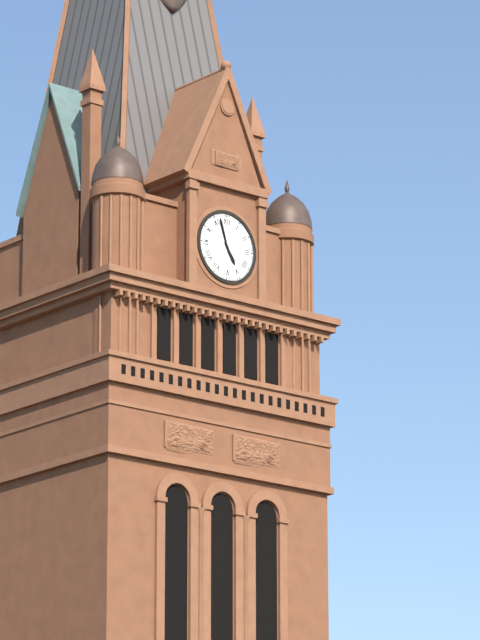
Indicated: 4 h 57 min
